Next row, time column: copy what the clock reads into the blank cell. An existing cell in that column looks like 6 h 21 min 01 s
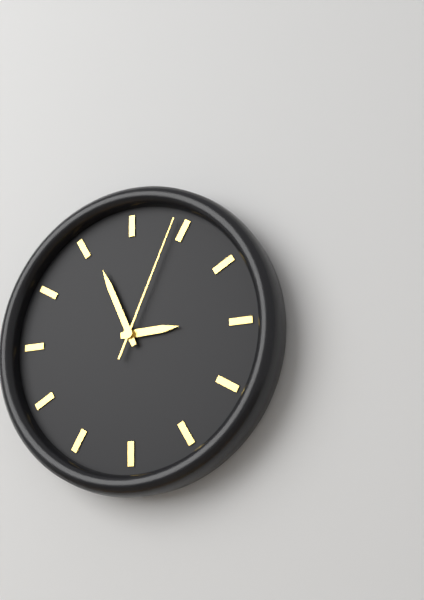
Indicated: 2 h 56 min 04 s
